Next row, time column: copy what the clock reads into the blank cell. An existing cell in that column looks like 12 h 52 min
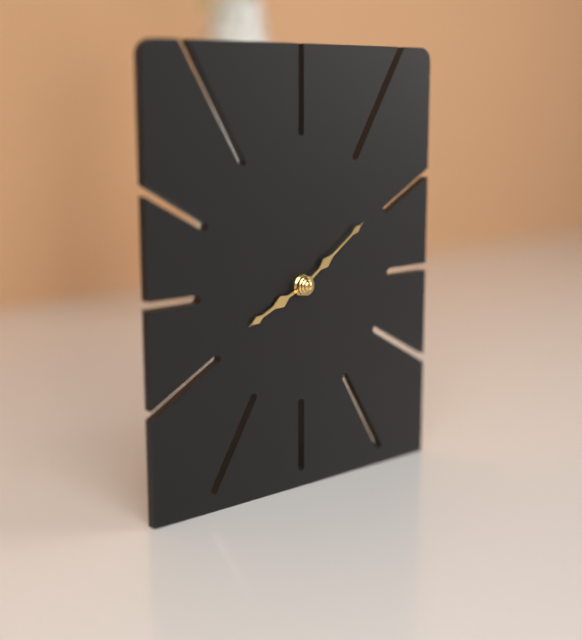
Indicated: 8 h 09 min
